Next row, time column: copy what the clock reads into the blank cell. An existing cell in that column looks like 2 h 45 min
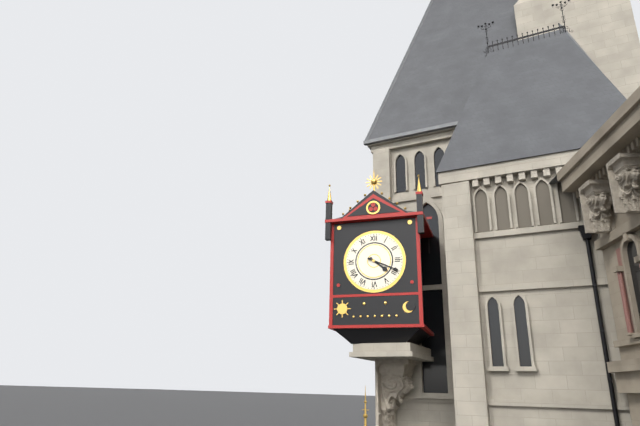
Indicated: 4 h 19 min
